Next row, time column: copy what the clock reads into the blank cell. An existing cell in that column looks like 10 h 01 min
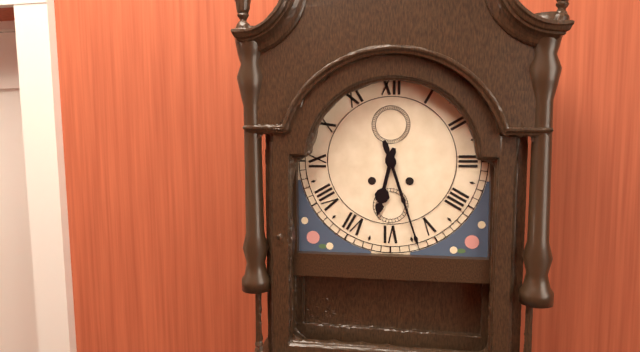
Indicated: 6 h 27 min
